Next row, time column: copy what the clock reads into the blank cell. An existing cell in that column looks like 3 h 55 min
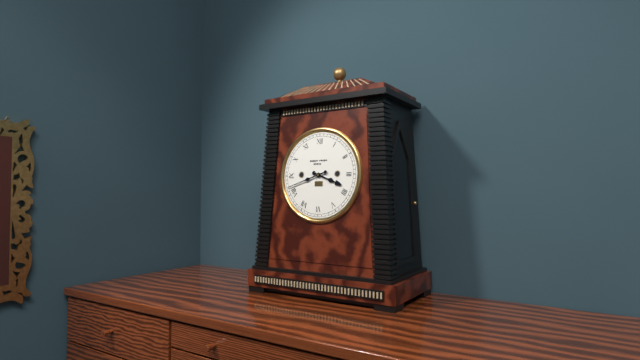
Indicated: 3 h 42 min
